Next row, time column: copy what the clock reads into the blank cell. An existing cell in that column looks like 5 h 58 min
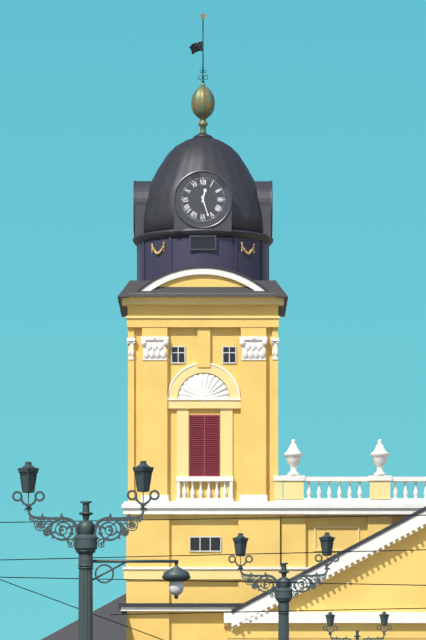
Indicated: 12 h 27 min
